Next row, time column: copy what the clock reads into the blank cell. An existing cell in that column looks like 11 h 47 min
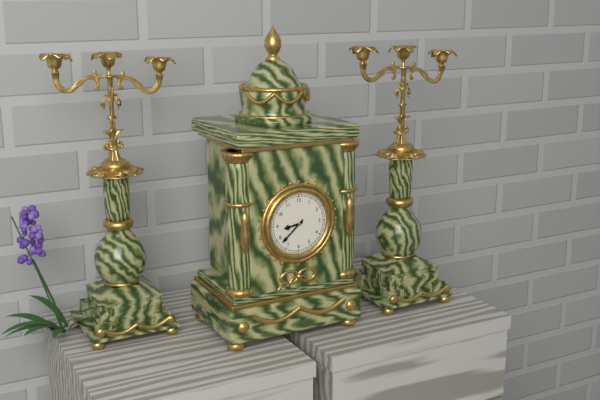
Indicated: 8 h 38 min
